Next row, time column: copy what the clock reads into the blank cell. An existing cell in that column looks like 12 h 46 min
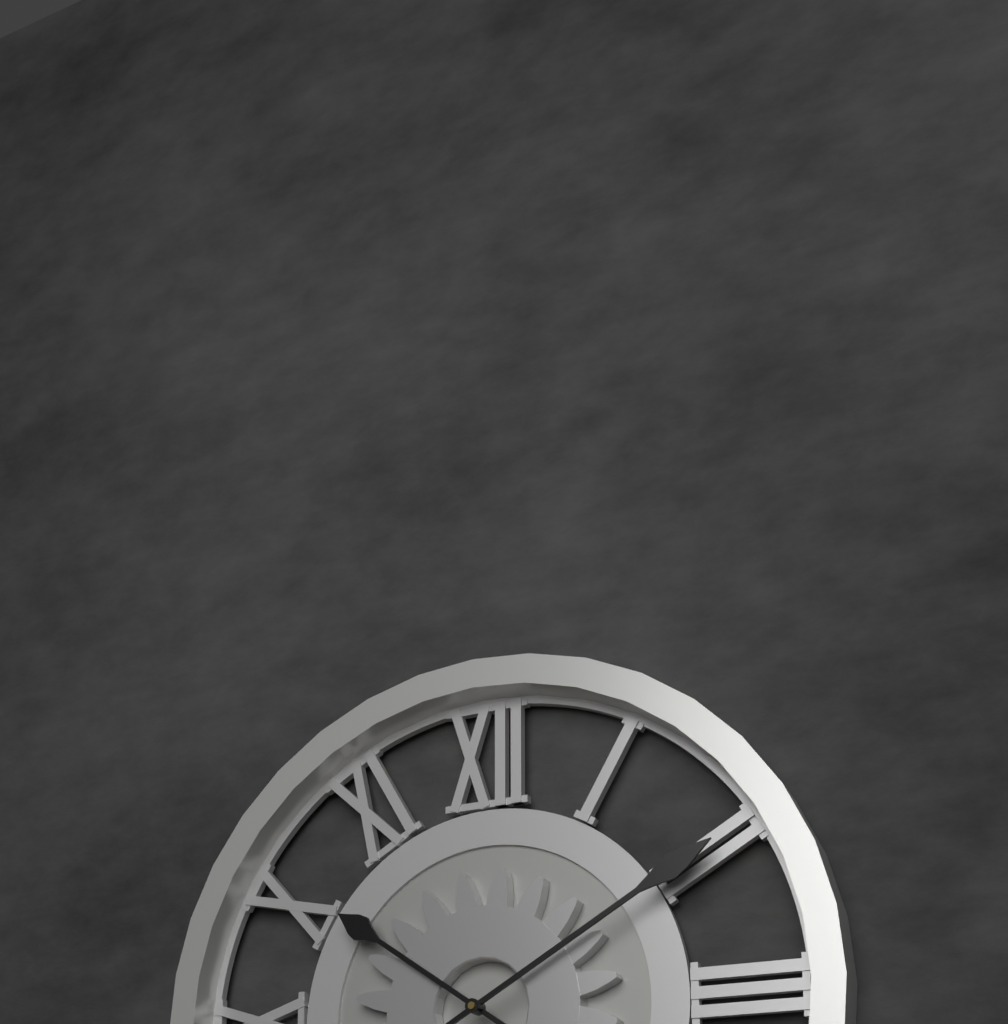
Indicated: 10 h 10 min
